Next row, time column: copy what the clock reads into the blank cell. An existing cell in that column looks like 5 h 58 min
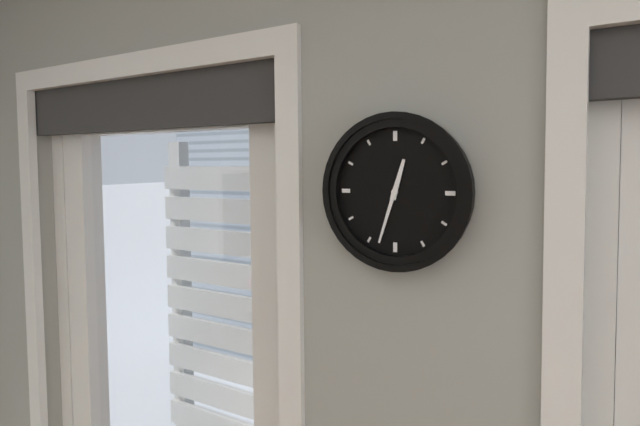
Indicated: 12 h 33 min
